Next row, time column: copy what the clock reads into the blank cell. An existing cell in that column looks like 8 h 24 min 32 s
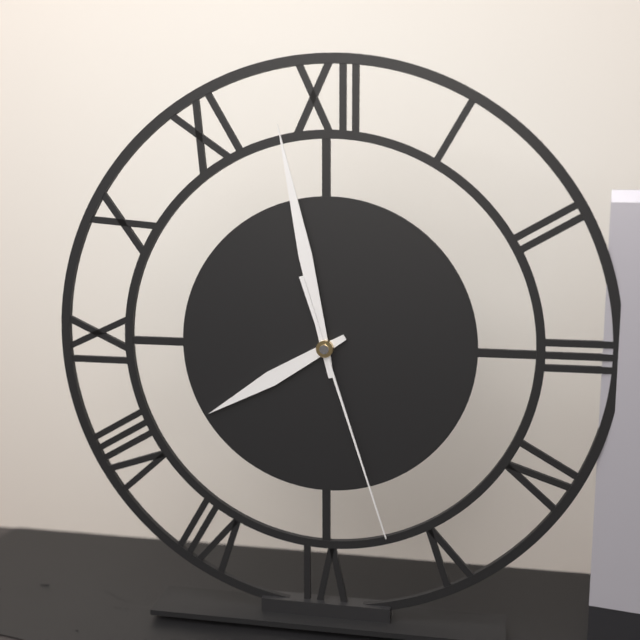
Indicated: 7 h 58 min 27 s
